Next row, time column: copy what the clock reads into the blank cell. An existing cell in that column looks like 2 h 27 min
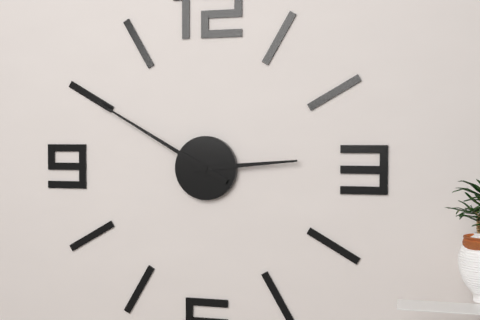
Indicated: 2 h 50 min
